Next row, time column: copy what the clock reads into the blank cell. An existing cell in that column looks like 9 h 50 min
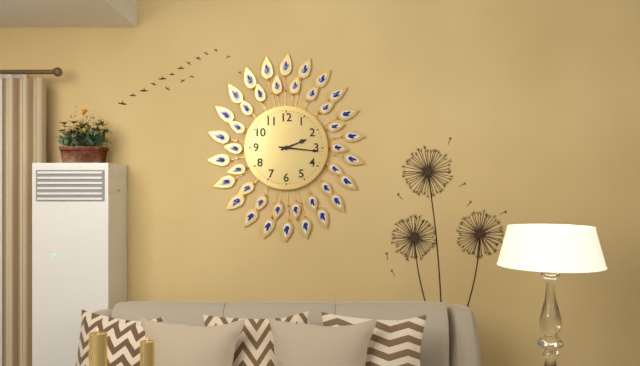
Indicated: 2 h 16 min
